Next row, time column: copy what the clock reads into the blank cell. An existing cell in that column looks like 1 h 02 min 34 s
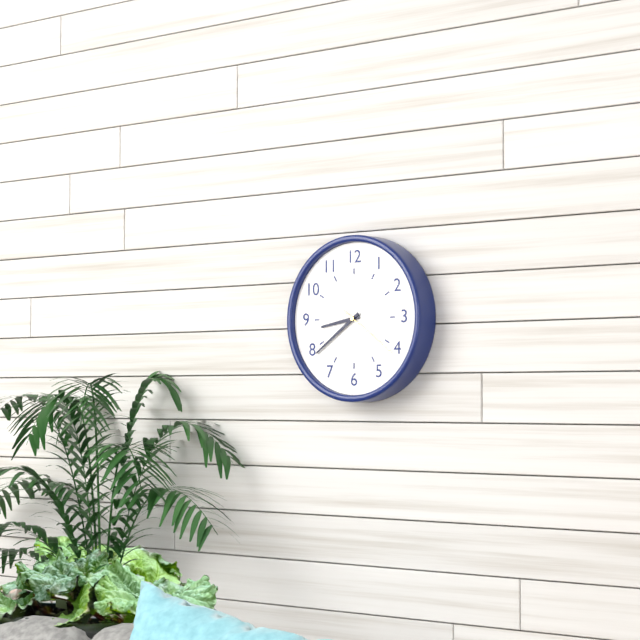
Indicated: 8 h 39 min 21 s
